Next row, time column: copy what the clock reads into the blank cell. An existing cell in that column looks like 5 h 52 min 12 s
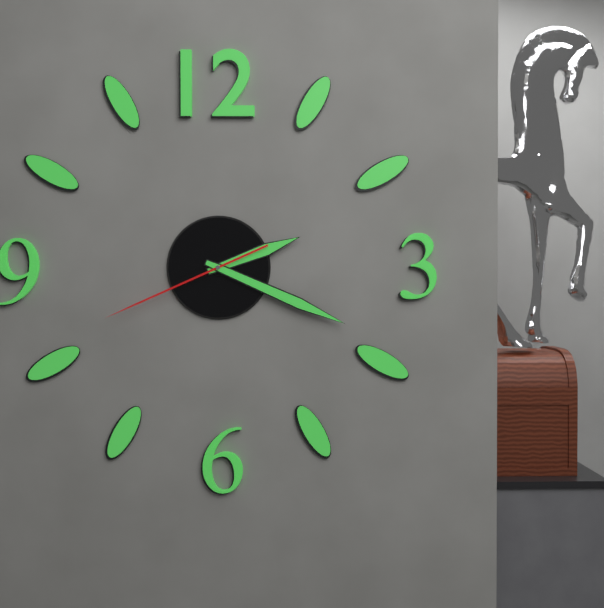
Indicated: 2 h 19 min 41 s
